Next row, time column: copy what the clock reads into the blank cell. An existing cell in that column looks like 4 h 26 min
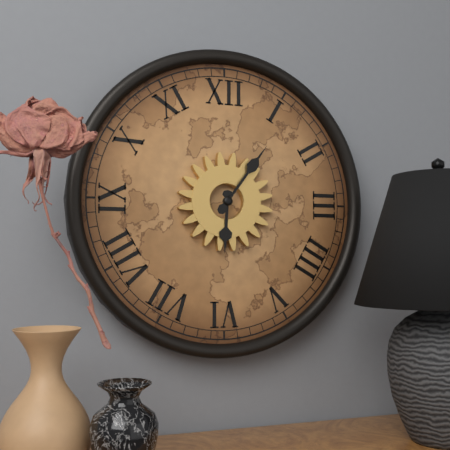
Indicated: 6 h 06 min
